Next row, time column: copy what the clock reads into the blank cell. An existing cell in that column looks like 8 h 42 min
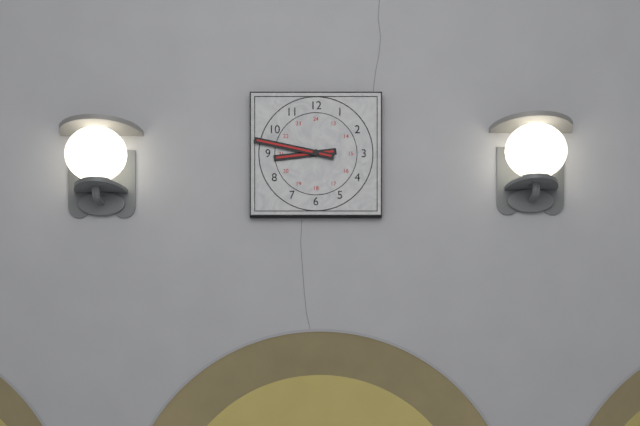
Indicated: 8 h 47 min
